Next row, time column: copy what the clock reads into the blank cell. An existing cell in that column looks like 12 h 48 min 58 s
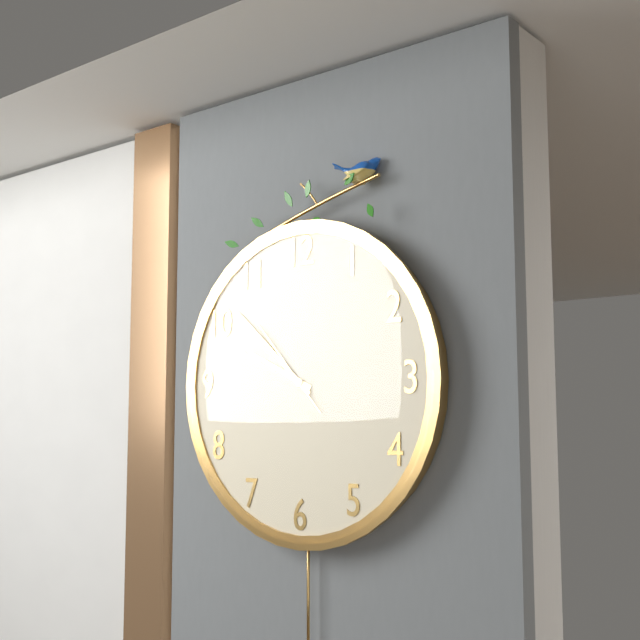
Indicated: 9 h 52 min 53 s
